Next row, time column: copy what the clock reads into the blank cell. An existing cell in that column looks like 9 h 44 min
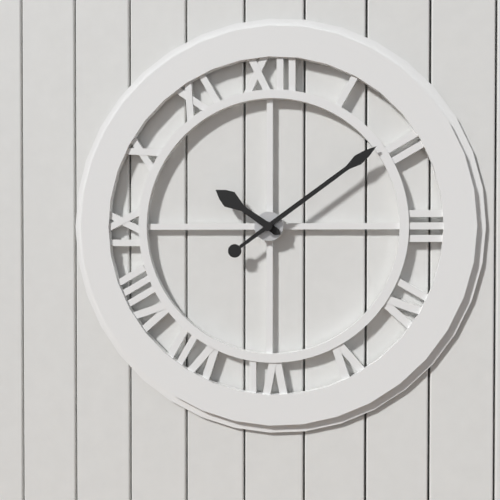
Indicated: 10 h 09 min
